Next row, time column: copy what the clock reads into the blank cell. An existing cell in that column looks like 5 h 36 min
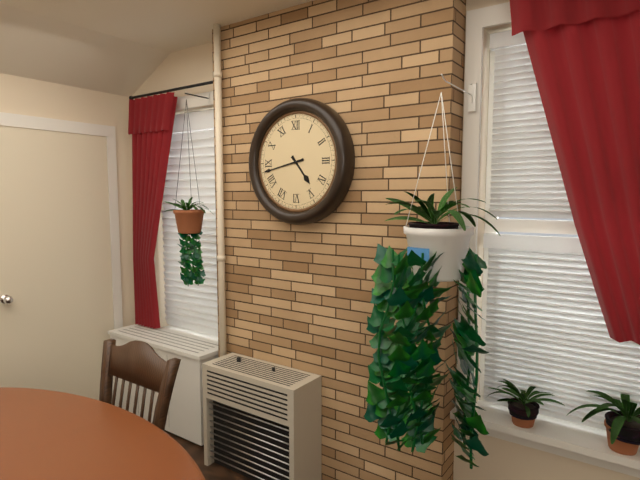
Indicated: 4 h 43 min
